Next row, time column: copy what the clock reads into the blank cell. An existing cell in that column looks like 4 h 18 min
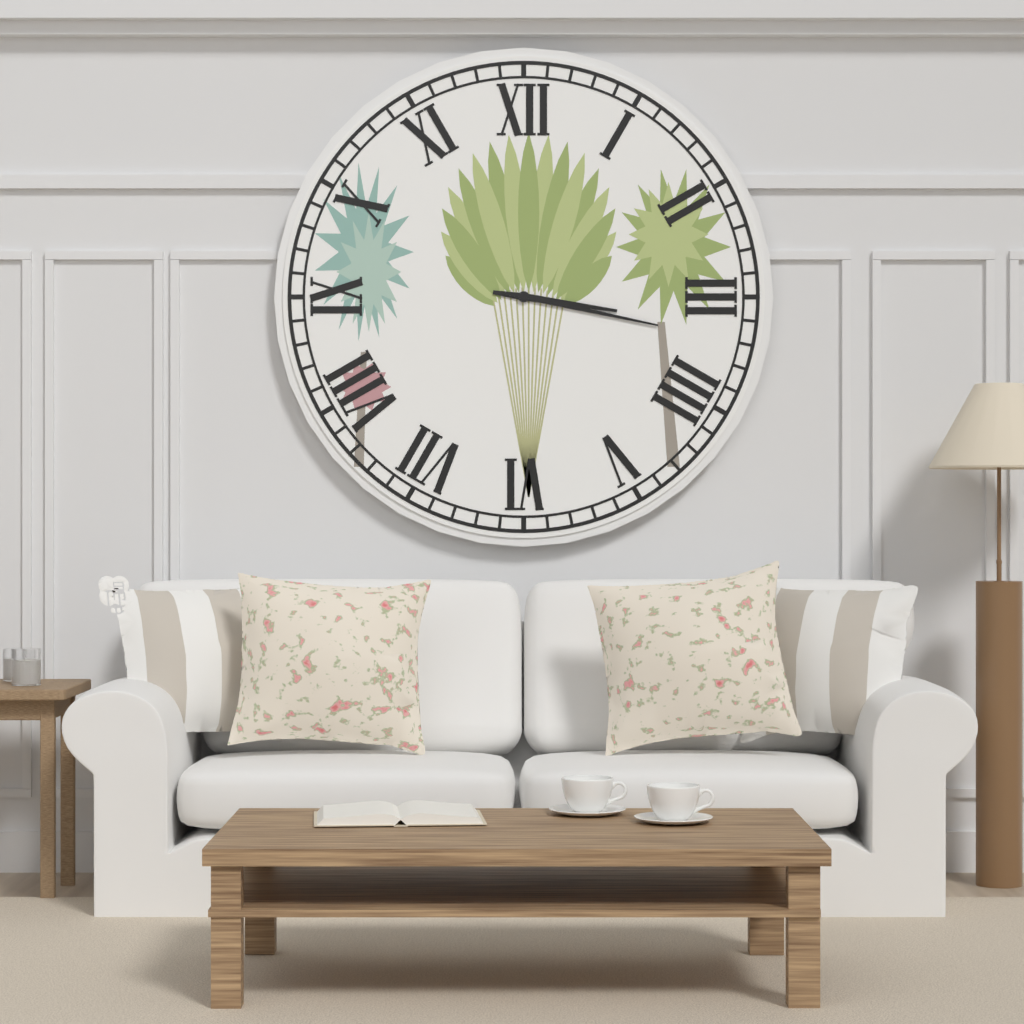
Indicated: 3 h 17 min
